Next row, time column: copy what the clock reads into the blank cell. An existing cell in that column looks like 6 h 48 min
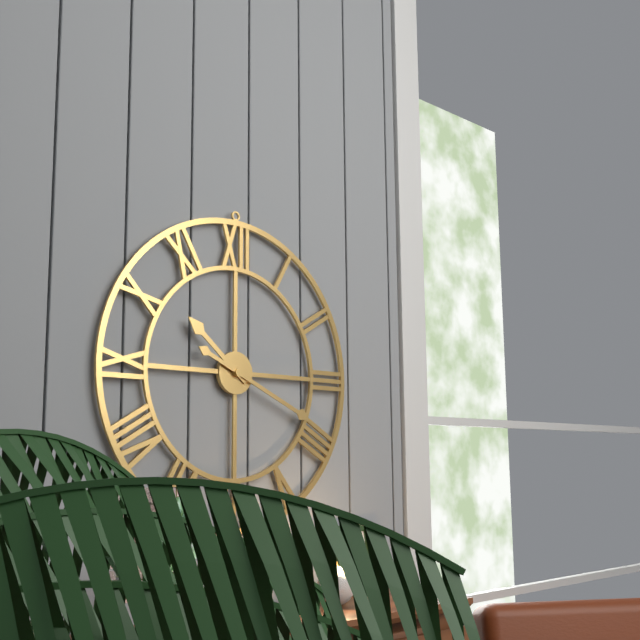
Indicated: 10 h 19 min
